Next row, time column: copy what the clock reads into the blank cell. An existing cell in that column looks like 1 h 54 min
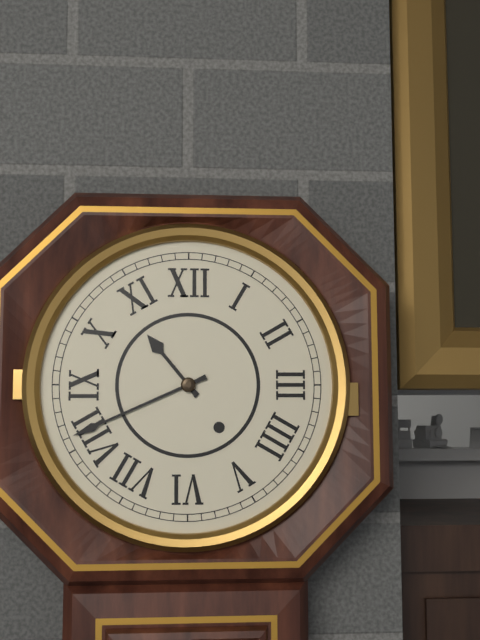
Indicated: 10 h 41 min
